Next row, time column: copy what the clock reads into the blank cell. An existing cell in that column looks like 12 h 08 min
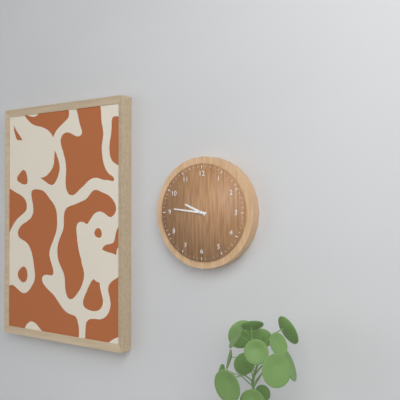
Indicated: 9 h 46 min
